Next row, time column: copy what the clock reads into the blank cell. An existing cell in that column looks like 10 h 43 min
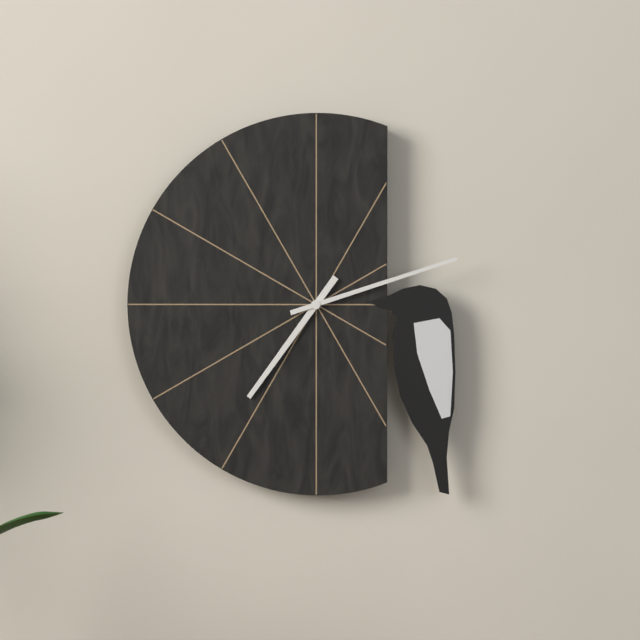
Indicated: 7 h 12 min
